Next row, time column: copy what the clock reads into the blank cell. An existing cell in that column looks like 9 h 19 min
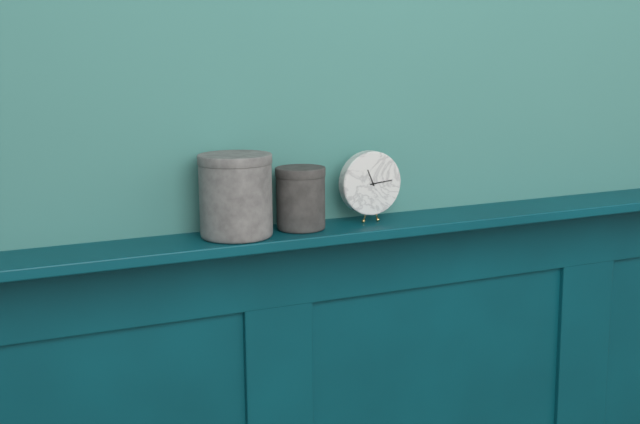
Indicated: 11 h 14 min
